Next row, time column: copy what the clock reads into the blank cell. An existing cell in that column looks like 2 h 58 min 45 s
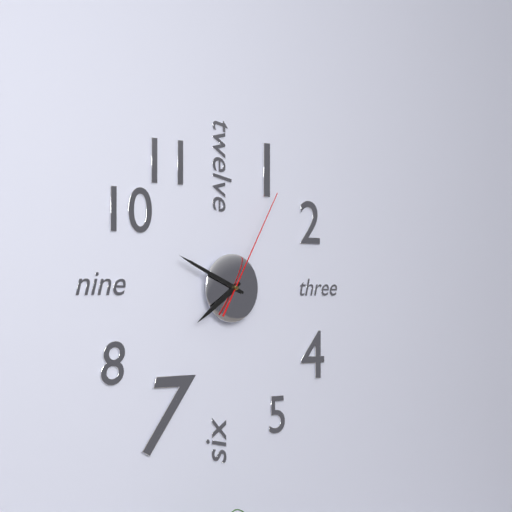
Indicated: 7 h 49 min 05 s
